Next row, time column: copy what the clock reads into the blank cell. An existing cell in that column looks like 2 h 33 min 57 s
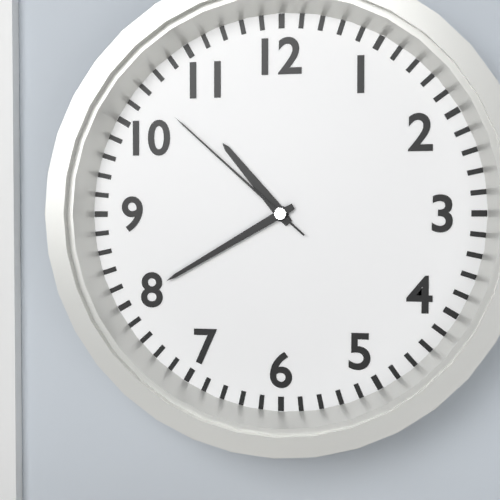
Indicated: 10 h 40 min 52 s
